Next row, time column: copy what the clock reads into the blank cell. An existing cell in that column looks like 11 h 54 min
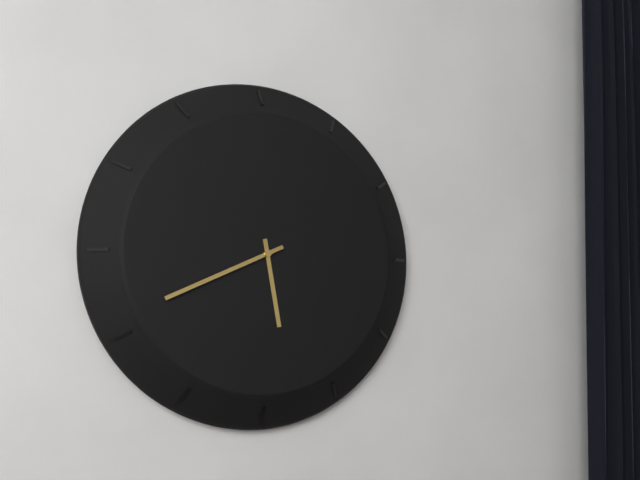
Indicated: 5 h 41 min
